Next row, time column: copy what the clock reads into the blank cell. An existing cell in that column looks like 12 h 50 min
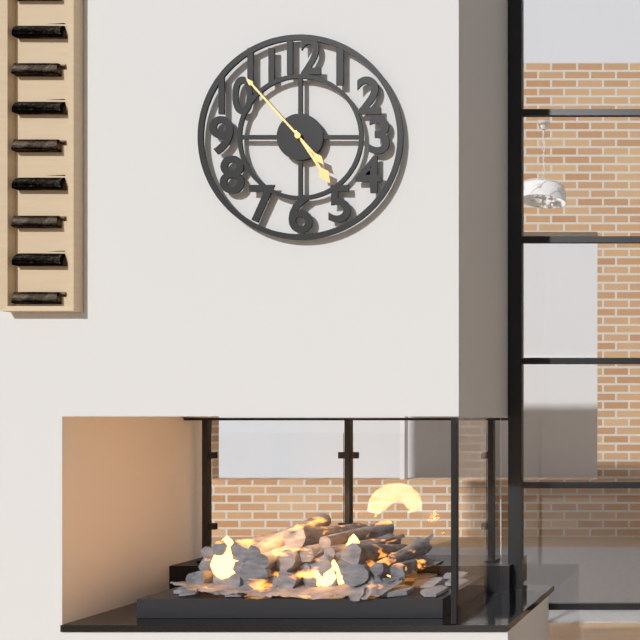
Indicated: 4 h 53 min
